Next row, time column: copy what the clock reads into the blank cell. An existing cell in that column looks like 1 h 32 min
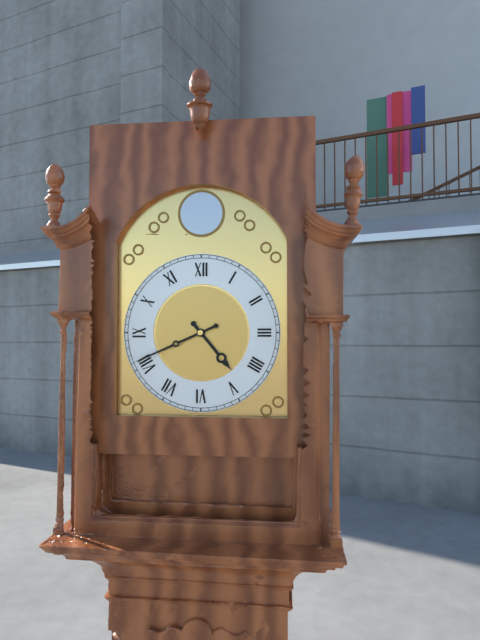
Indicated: 4 h 41 min
